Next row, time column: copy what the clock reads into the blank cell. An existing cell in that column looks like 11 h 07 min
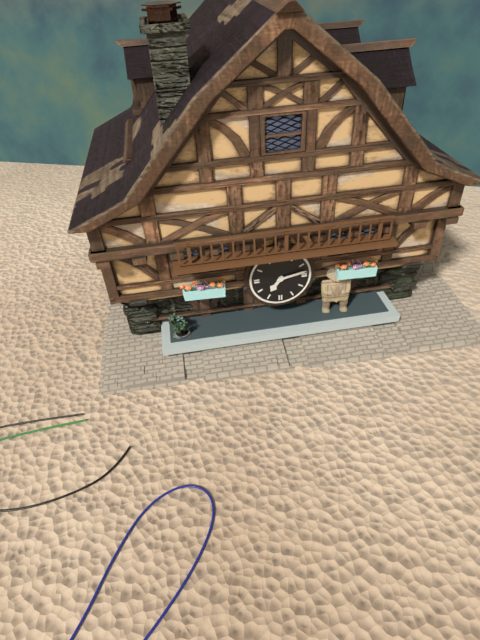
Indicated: 7 h 13 min
